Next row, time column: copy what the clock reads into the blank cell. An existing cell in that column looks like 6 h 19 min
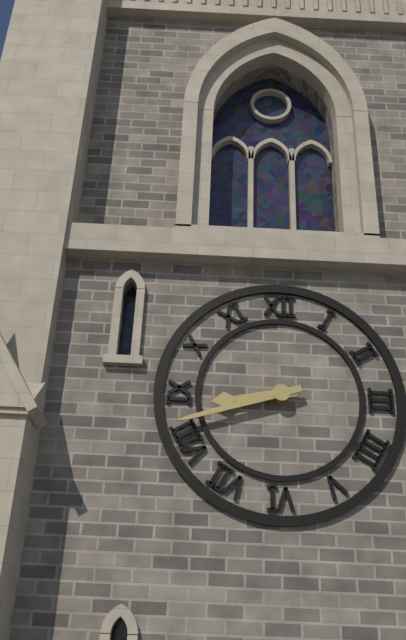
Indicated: 8 h 42 min
